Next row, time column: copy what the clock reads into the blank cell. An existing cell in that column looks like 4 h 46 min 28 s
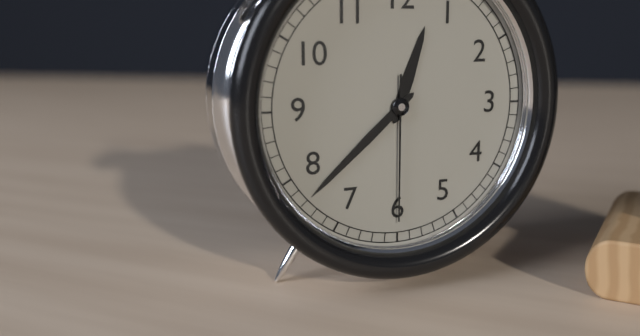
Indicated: 12 h 38 min 30 s
